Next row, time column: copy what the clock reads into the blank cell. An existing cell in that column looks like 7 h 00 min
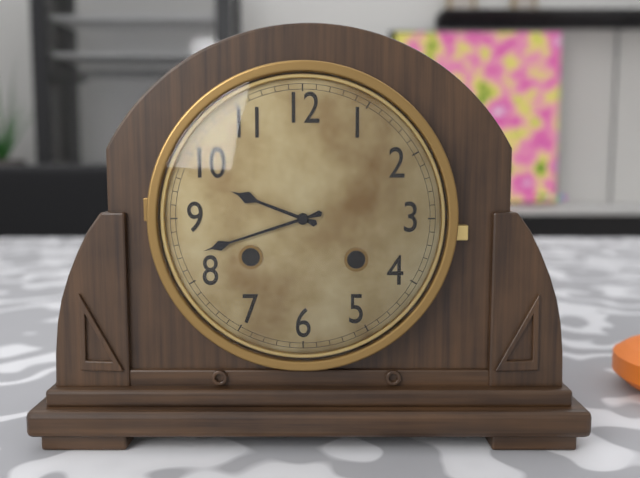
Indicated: 9 h 42 min
